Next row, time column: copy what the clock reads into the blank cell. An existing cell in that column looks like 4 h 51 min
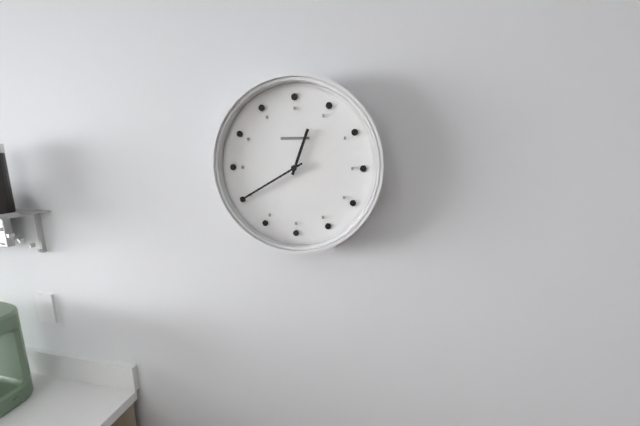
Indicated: 12 h 40 min
